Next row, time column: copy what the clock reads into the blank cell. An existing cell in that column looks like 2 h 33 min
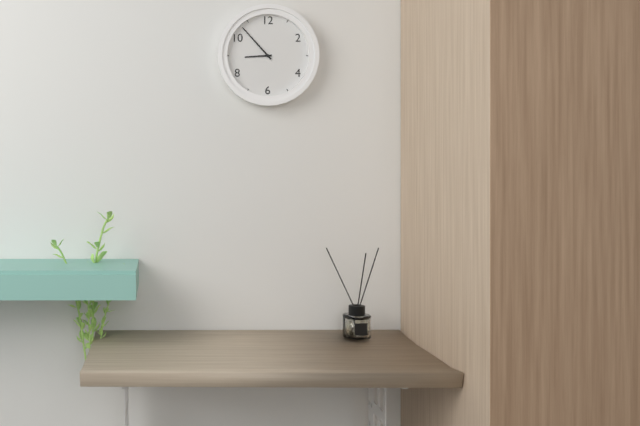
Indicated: 8 h 53 min
